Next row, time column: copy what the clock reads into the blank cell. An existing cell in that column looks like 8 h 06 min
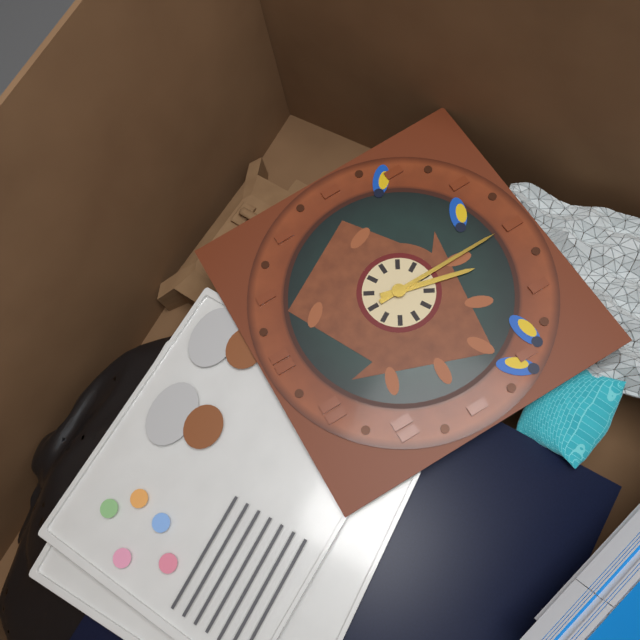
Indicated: 6 h 30 min
